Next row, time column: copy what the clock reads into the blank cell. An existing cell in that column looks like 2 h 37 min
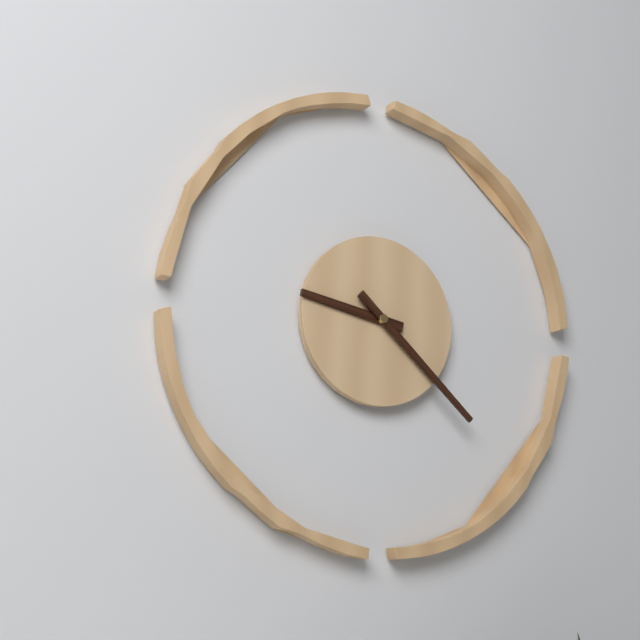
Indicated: 9 h 22 min
